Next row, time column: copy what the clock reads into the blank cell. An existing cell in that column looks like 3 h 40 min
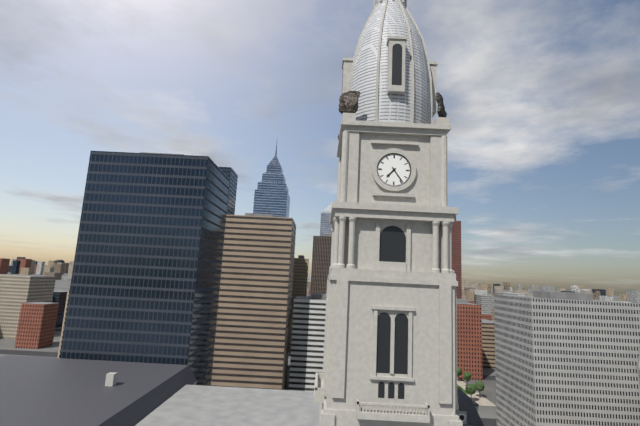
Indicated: 7 h 24 min
